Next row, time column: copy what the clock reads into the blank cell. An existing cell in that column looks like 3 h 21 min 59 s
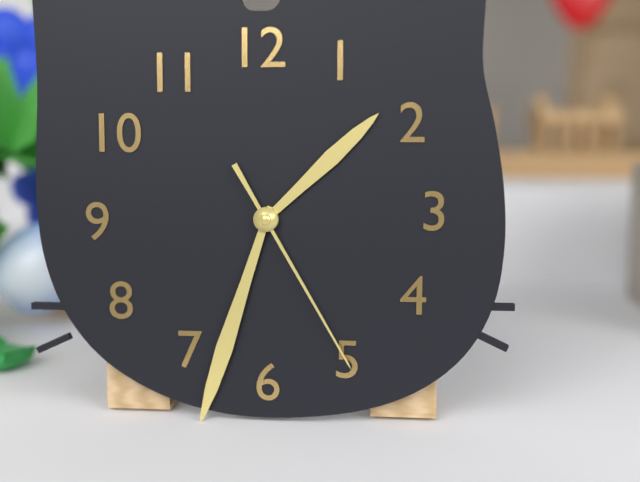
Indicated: 1 h 33 min 25 s
